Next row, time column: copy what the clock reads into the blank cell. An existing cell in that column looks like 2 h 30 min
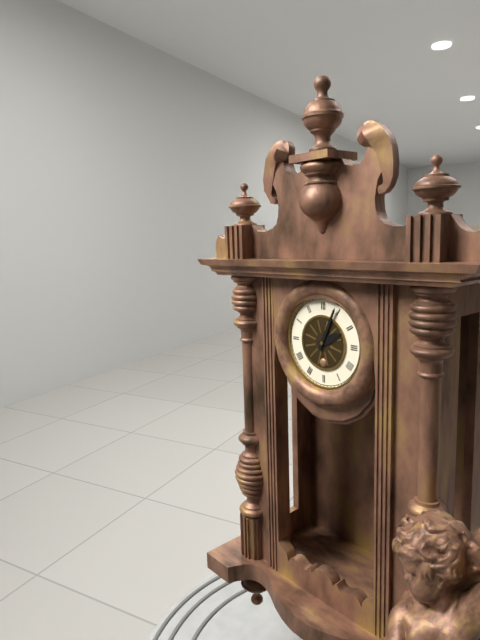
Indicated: 2 h 04 min
